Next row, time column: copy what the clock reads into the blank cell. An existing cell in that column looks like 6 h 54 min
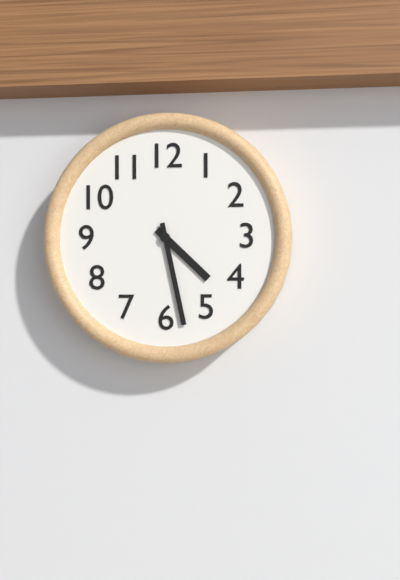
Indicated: 4 h 28 min
